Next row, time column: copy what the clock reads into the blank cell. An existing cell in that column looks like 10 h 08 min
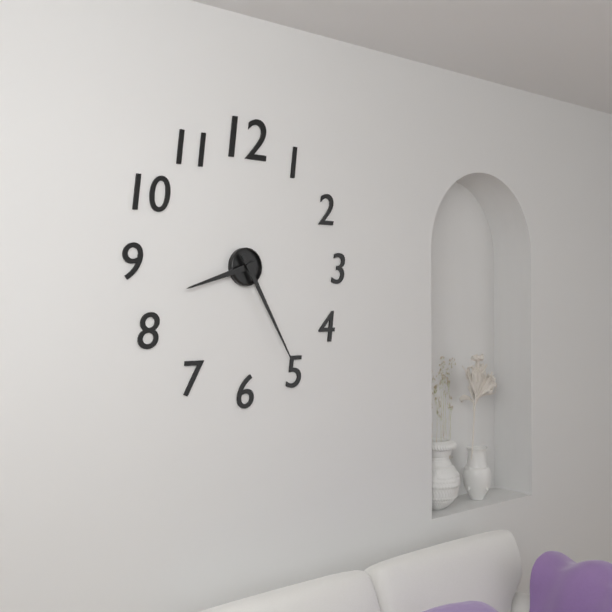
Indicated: 8 h 25 min
